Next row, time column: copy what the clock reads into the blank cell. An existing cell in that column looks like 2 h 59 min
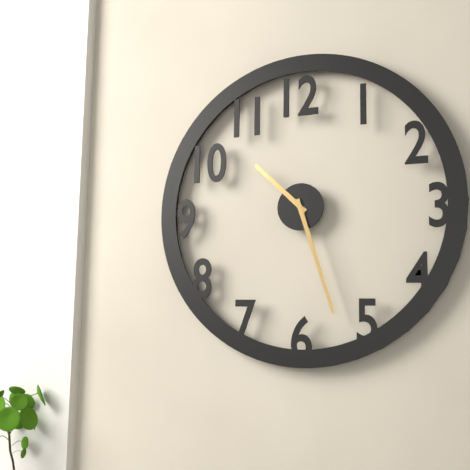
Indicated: 10 h 27 min
